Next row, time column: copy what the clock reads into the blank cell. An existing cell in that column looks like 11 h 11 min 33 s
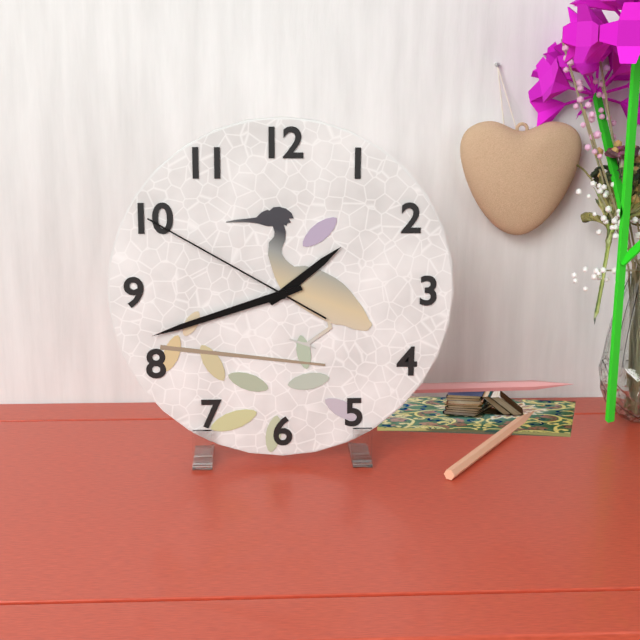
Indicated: 1 h 42 min 50 s
